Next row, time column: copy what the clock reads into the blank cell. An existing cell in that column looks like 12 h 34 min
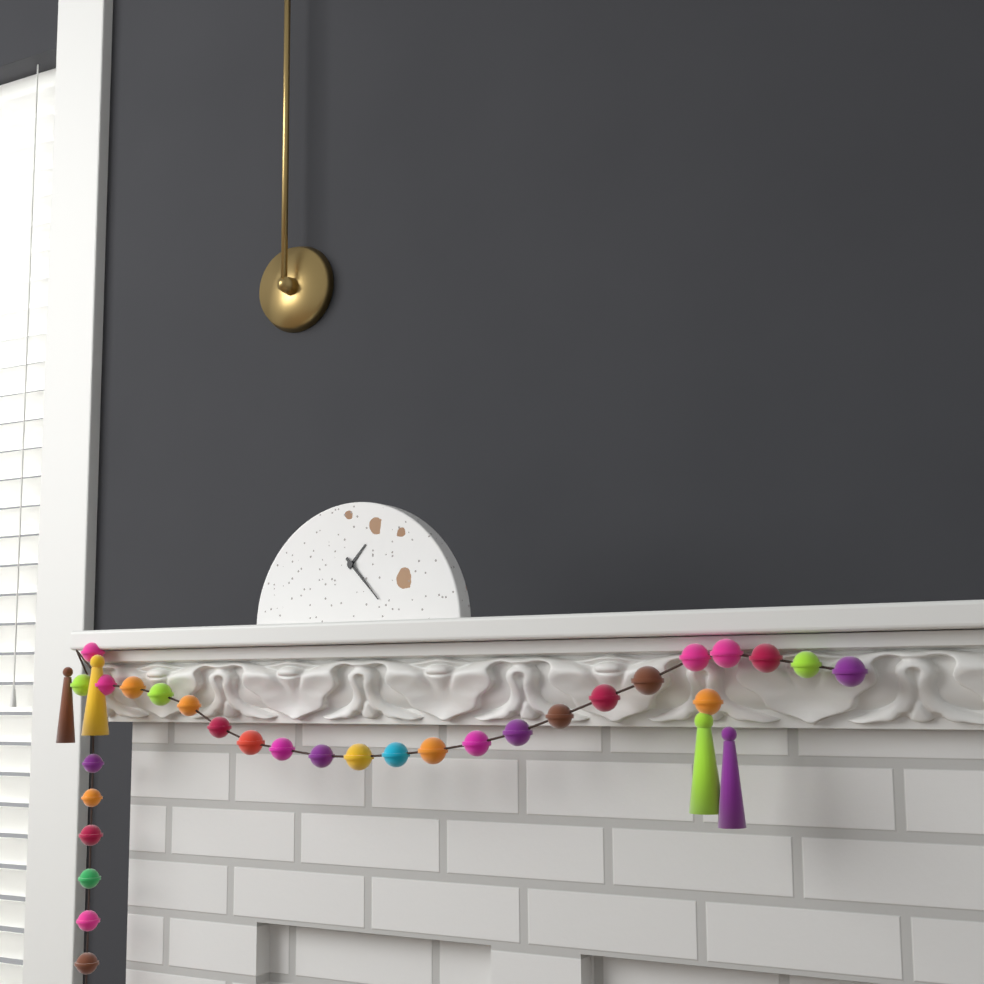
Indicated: 1 h 23 min
